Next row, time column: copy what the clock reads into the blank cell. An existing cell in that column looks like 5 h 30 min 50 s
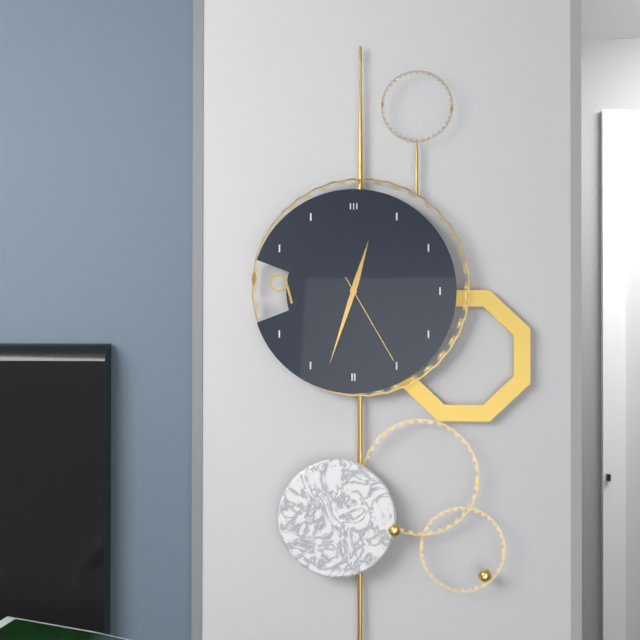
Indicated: 12 h 33 min 25 s
